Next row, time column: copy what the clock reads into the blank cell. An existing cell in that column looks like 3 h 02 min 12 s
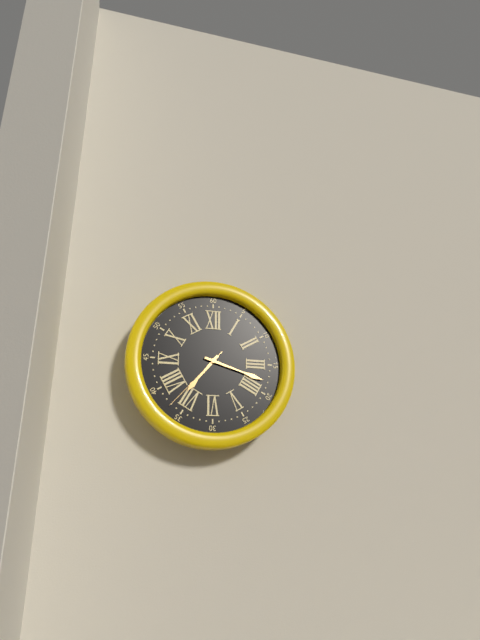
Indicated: 7 h 18 min 37 s
